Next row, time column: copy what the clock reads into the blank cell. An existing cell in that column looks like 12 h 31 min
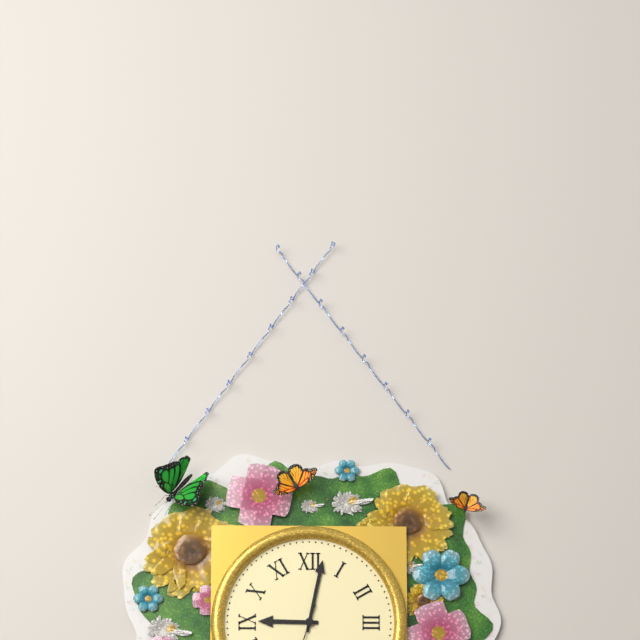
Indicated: 9 h 02 min
